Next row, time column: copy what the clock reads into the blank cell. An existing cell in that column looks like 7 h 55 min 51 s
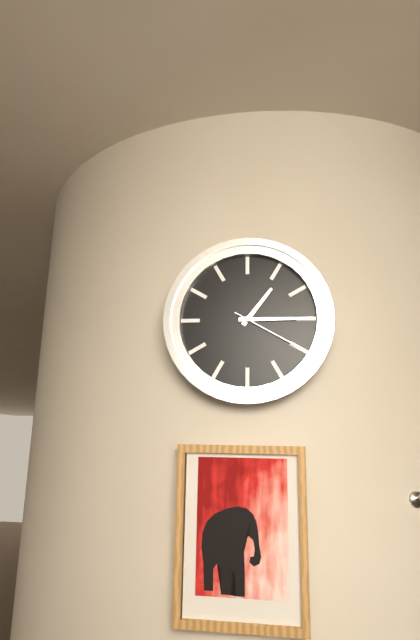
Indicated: 1 h 15 min 20 s
